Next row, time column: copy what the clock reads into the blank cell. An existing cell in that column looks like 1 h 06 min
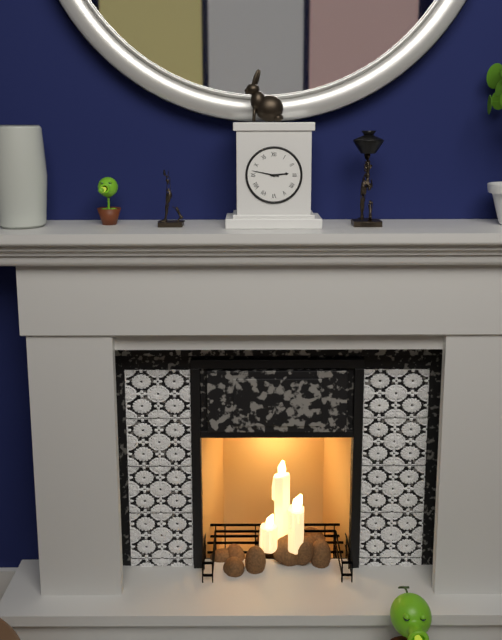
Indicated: 2 h 47 min
